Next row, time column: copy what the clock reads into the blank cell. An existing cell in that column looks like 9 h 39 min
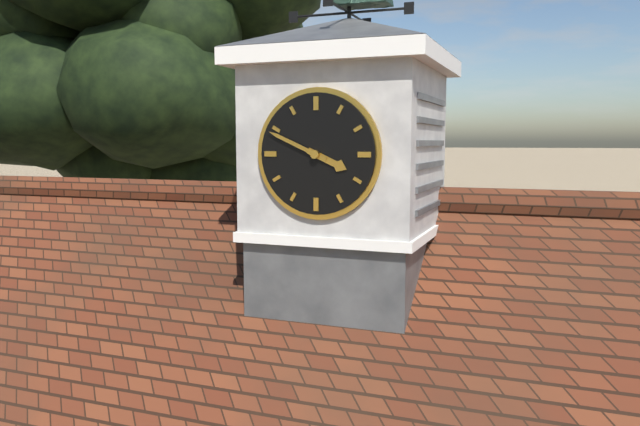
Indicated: 3 h 49 min
